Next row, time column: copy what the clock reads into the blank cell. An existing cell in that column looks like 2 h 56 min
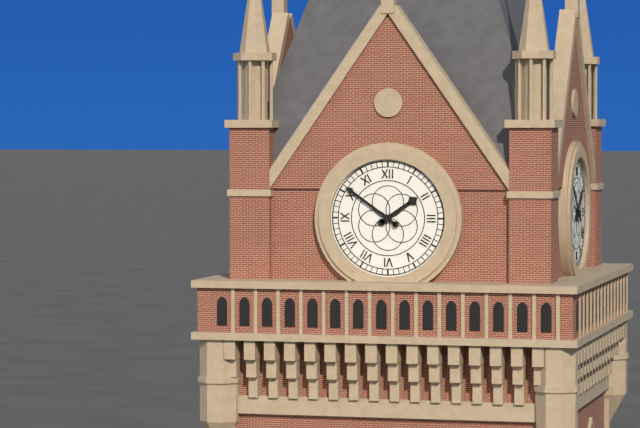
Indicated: 1 h 51 min
